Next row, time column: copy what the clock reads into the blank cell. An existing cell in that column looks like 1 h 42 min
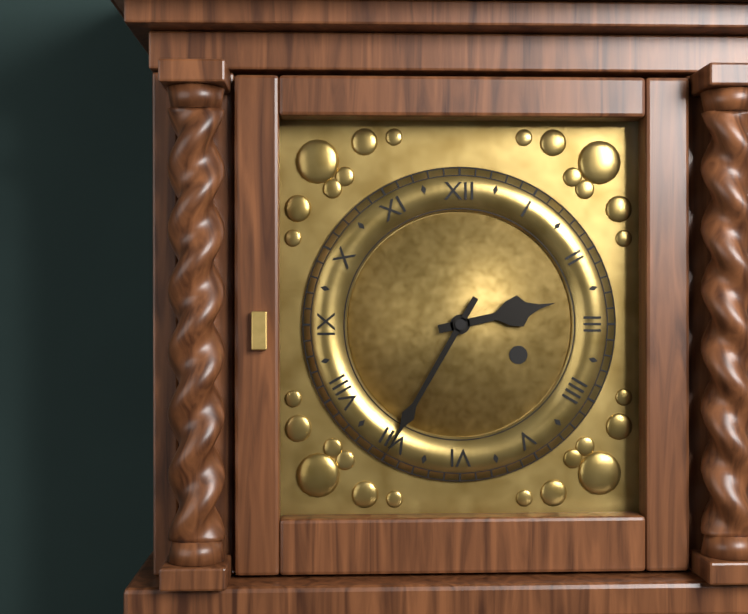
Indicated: 2 h 35 min
